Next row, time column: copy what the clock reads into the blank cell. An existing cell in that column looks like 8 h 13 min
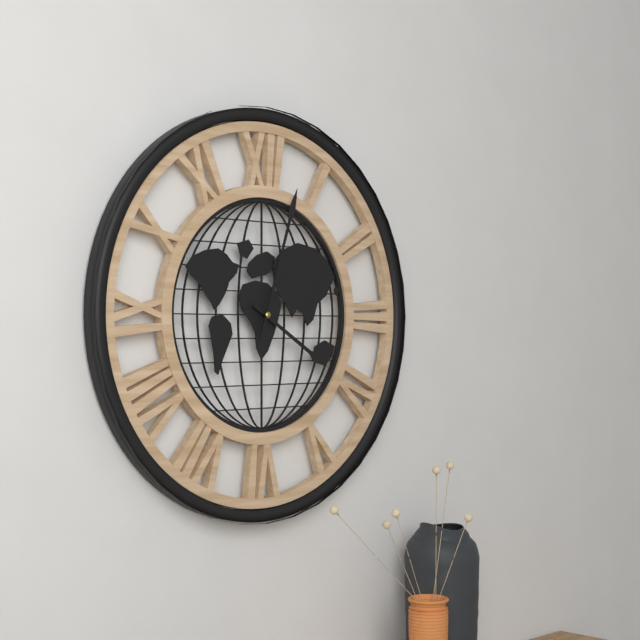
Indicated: 4 h 03 min
